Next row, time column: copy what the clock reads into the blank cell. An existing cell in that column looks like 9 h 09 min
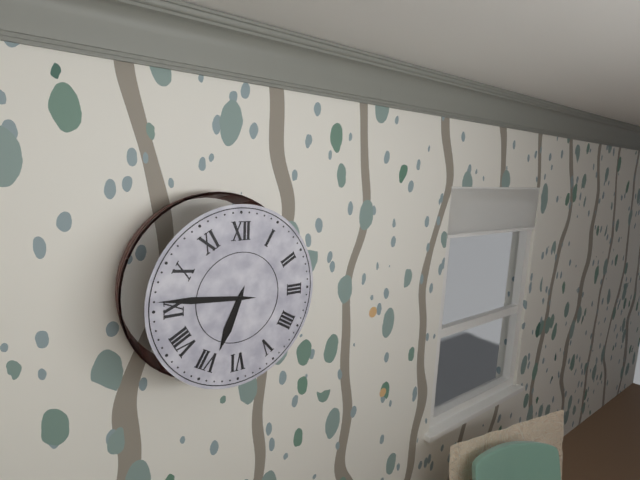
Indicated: 6 h 46 min
